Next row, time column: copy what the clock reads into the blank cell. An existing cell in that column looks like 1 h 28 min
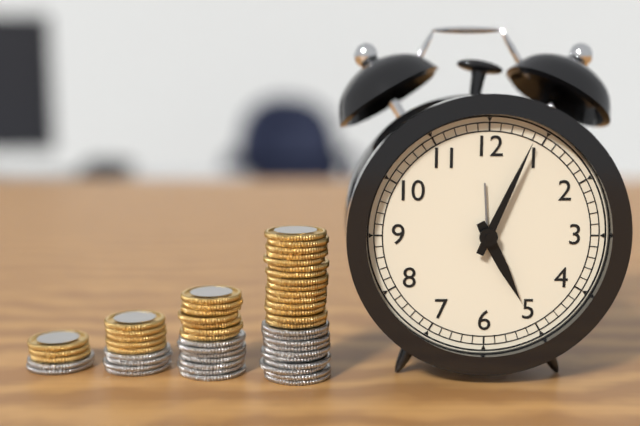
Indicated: 5 h 04 min
